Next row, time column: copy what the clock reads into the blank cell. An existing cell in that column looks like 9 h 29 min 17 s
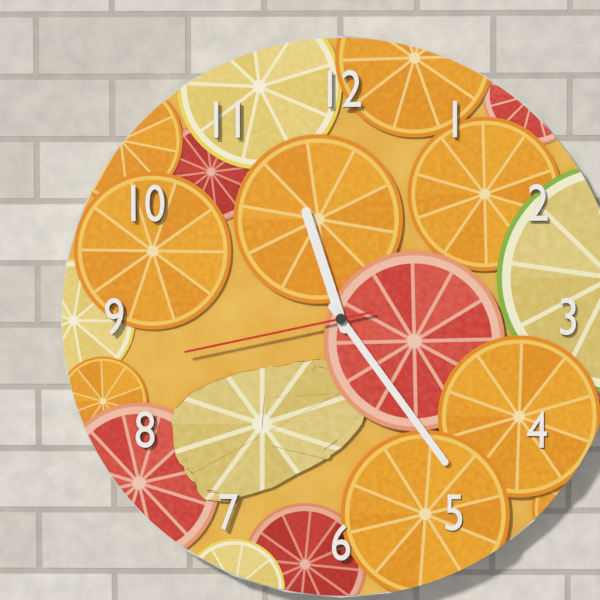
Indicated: 11 h 24 min 43 s
